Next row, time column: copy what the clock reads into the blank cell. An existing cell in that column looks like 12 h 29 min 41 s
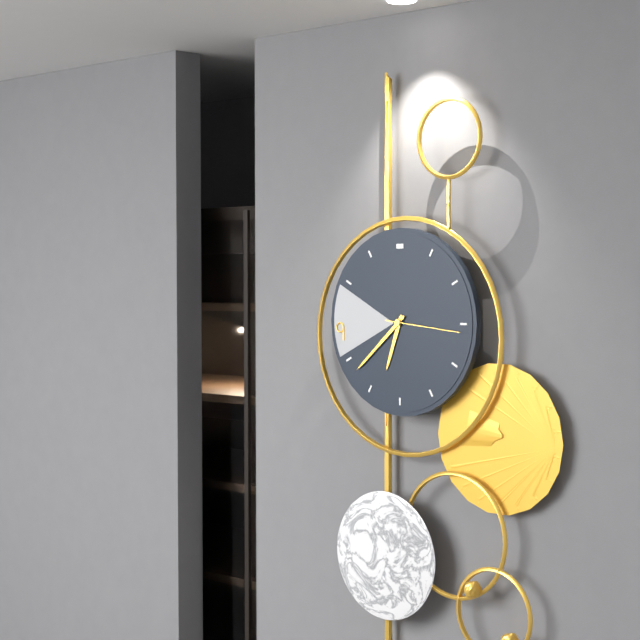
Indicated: 6 h 38 min 16 s
